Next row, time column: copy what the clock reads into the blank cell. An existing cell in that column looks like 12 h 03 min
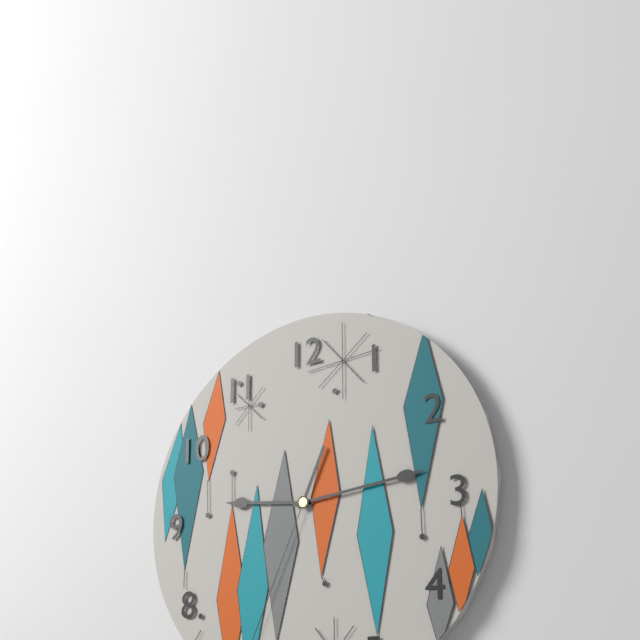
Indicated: 9 h 14 min
